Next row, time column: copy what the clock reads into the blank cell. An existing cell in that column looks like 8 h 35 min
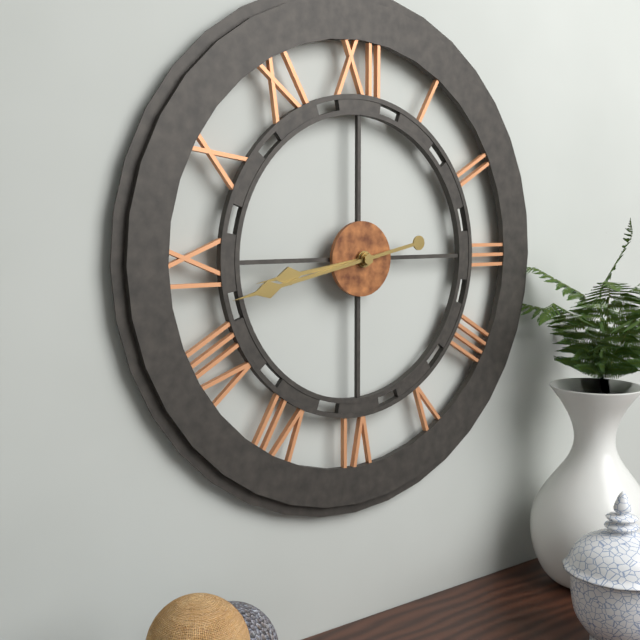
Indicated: 8 h 43 min
